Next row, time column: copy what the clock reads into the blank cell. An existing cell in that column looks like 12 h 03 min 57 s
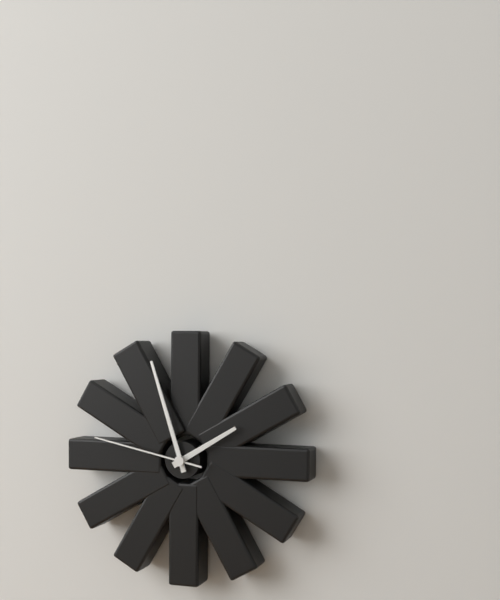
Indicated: 1 h 57 min 47 s
